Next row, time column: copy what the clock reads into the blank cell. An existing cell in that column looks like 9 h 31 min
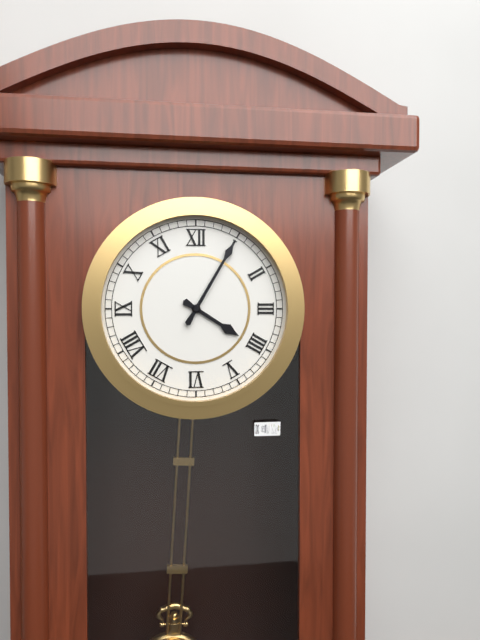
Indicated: 4 h 05 min
